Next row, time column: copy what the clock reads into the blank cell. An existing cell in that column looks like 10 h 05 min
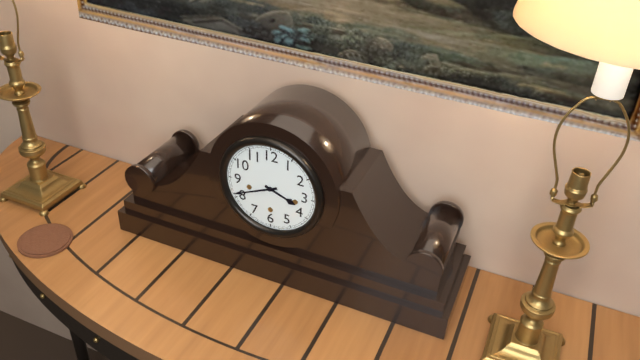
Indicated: 3 h 41 min
